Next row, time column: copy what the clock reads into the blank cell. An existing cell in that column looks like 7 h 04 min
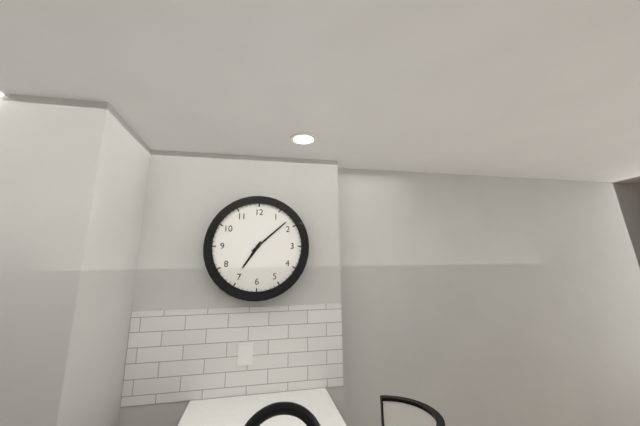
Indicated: 7 h 08 min
